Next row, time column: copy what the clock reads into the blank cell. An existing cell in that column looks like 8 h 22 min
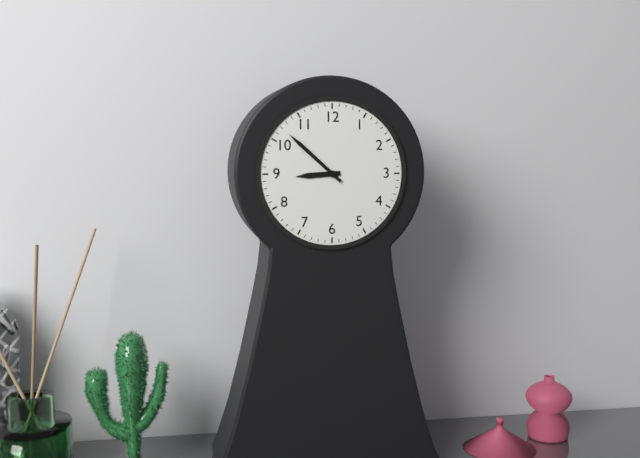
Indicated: 8 h 52 min
